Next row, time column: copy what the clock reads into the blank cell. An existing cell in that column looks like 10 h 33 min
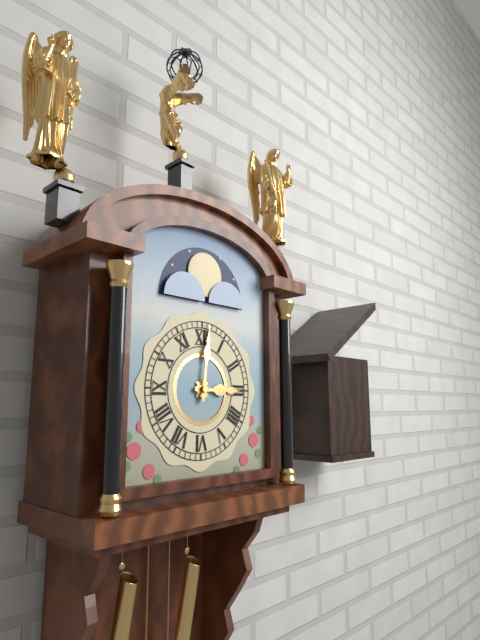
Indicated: 3 h 01 min
